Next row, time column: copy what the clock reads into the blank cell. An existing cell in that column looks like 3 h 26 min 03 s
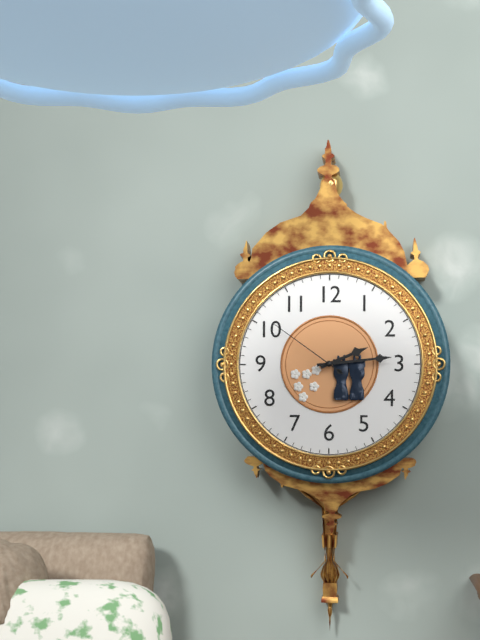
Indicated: 2 h 14 min 51 s
